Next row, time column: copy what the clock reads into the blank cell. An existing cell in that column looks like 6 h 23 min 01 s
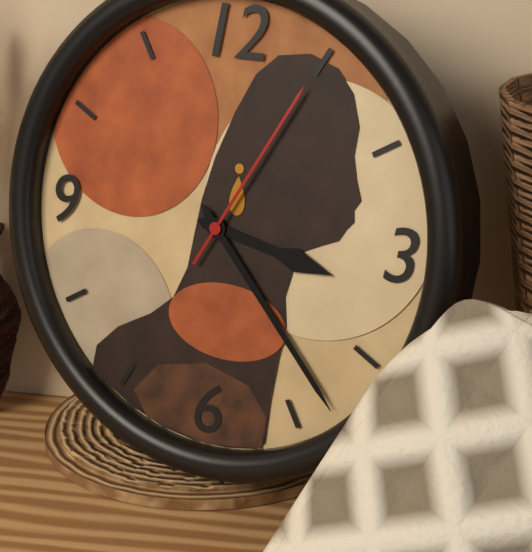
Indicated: 3 h 23 min 05 s
